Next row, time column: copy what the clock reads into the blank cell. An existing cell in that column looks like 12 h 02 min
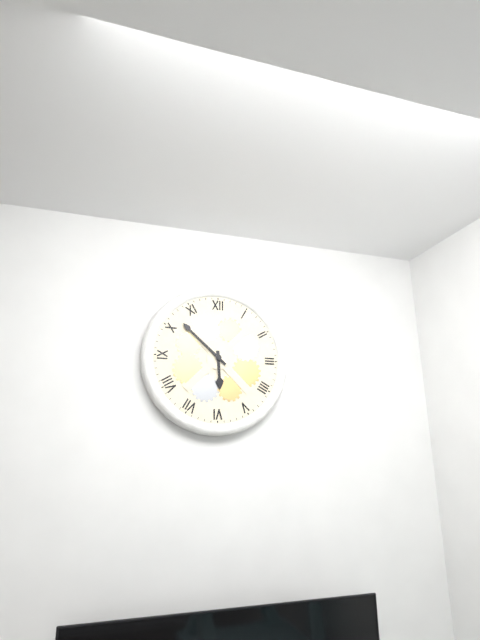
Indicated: 5 h 52 min
